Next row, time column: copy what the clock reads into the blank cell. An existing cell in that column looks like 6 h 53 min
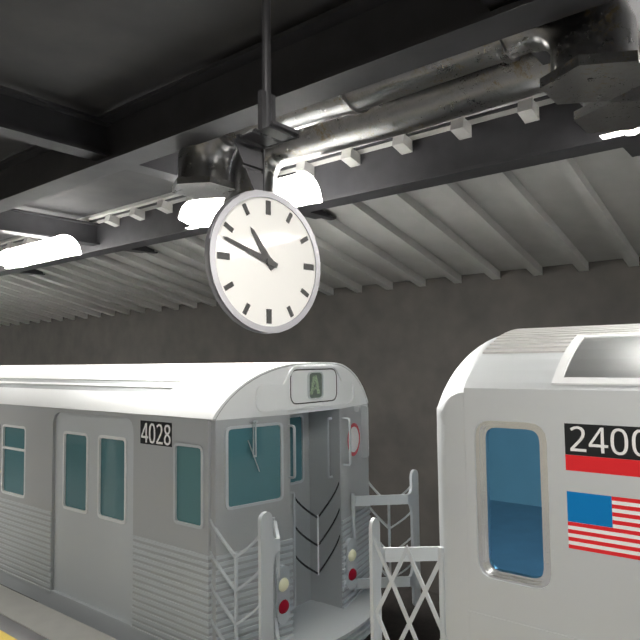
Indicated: 10 h 48 min
